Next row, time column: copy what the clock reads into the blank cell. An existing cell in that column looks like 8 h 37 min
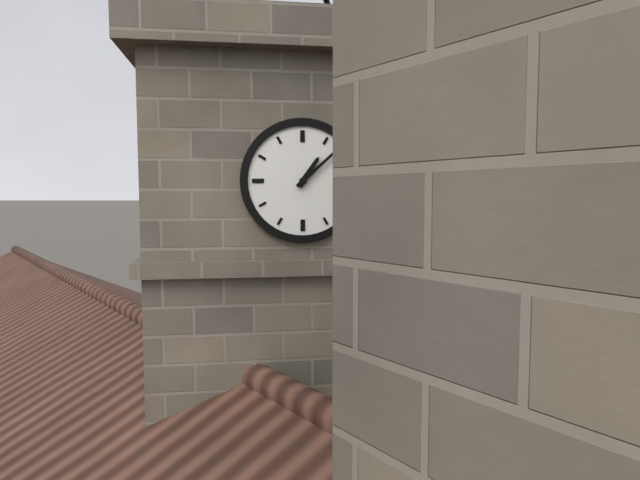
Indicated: 1 h 08 min
